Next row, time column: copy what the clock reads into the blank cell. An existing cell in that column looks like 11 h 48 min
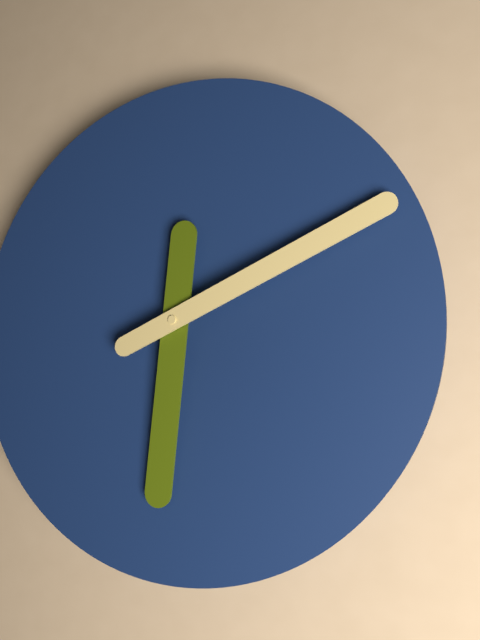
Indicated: 6 h 11 min
